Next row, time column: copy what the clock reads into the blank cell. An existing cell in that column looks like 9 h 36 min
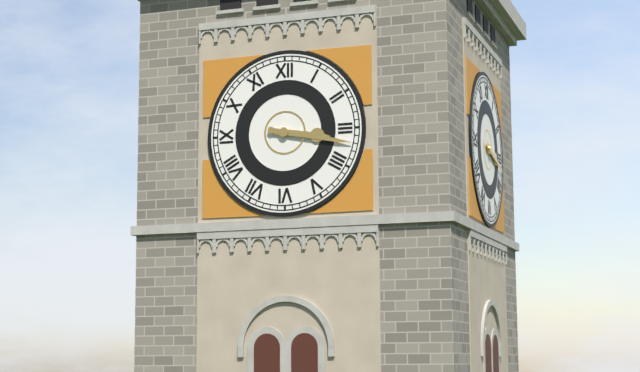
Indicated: 3 h 17 min
